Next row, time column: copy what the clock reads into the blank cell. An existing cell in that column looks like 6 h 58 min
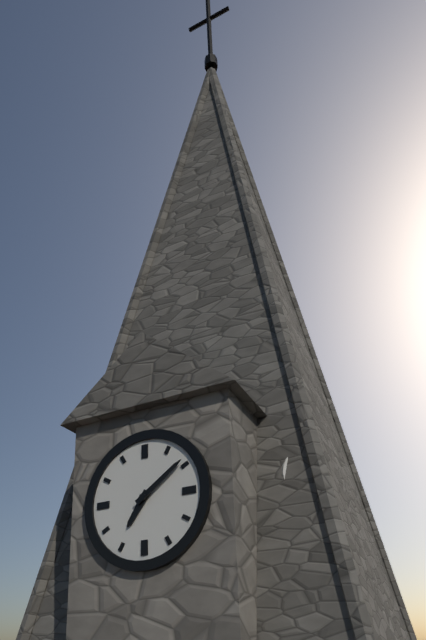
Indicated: 7 h 09 min
